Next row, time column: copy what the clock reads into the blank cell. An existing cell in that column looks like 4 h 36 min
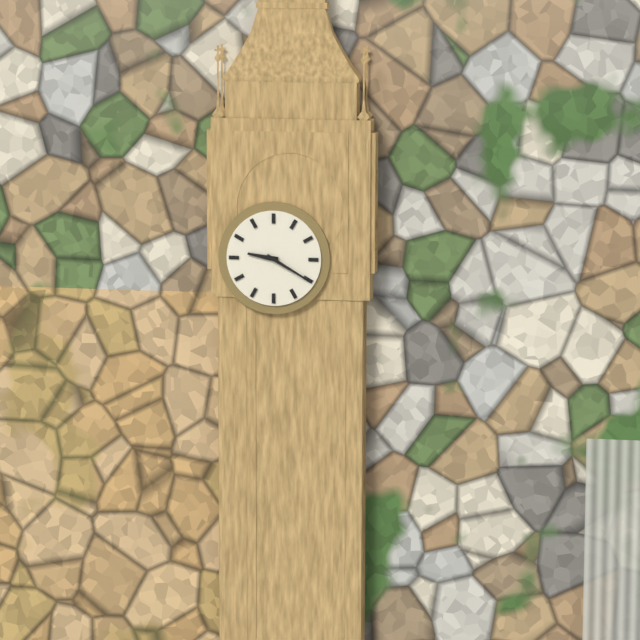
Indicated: 9 h 20 min
